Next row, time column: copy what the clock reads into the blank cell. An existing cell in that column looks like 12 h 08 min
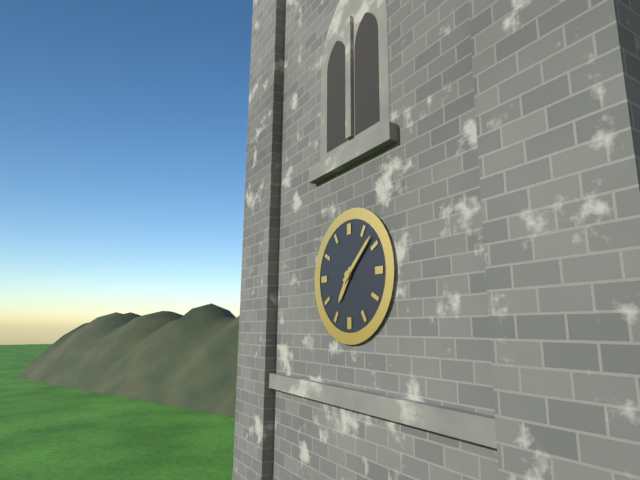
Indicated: 7 h 08 min
